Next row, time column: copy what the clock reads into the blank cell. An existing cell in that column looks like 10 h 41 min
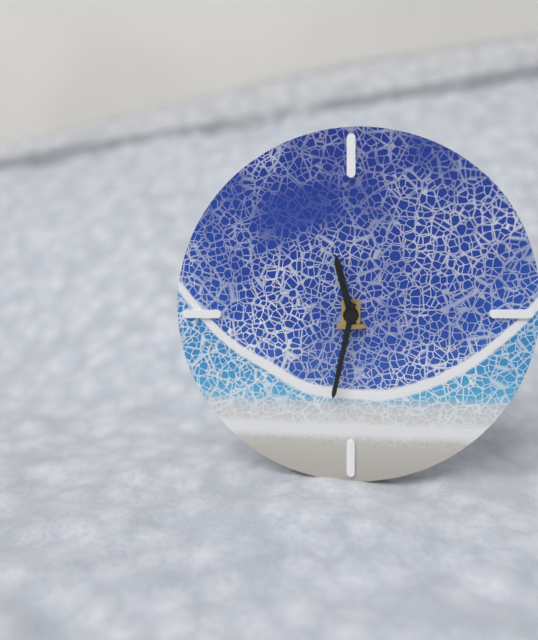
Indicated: 11 h 32 min
